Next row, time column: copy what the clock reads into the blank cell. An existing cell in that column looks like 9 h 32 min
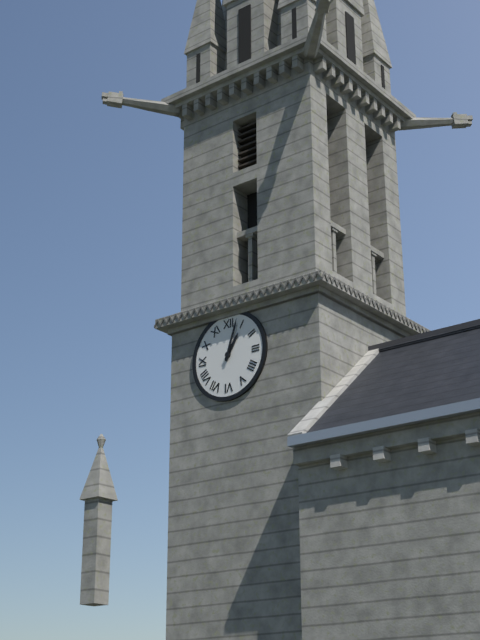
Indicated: 1 h 03 min
